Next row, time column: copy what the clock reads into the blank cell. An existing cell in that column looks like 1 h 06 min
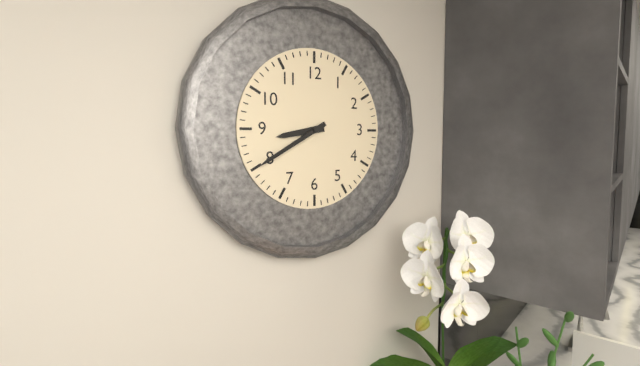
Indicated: 8 h 40 min
